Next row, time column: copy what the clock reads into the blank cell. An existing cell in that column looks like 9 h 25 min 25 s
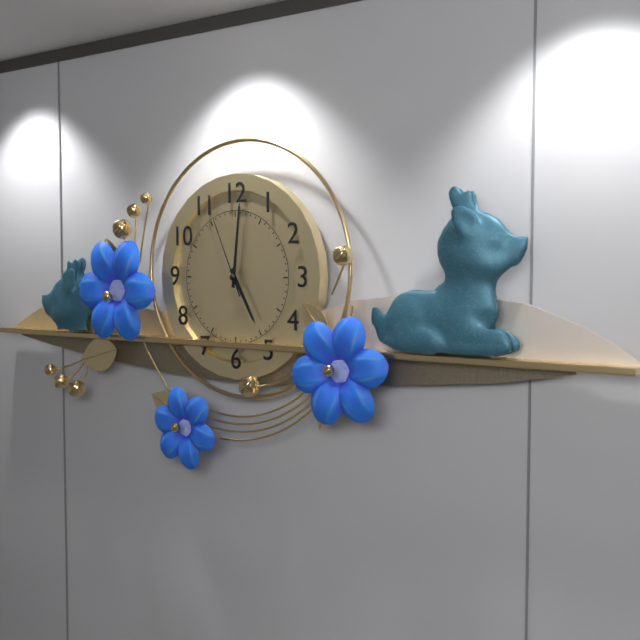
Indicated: 5 h 01 min 56 s
